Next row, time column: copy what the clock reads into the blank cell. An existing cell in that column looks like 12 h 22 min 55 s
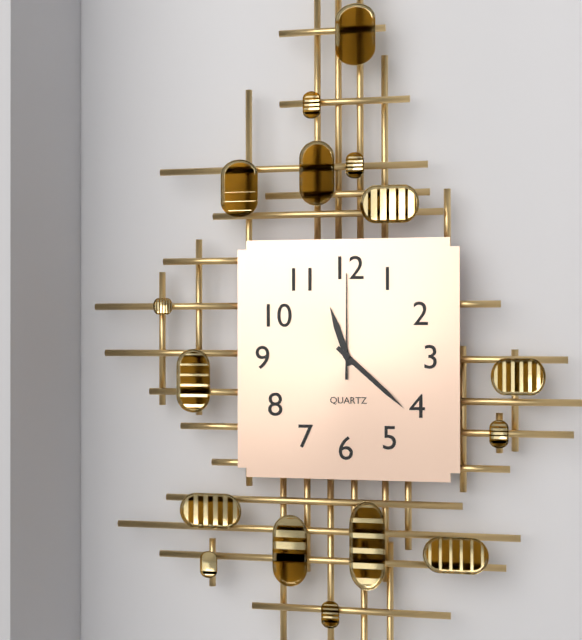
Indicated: 11 h 22 min 00 s
